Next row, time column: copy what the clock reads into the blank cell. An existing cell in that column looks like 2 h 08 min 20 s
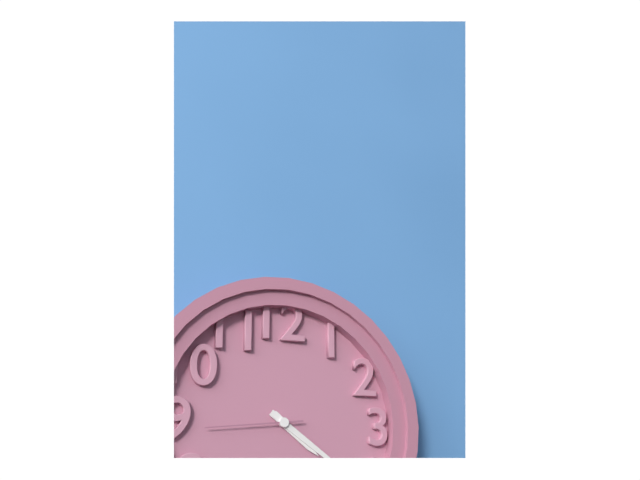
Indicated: 4 h 21 min 44 s
